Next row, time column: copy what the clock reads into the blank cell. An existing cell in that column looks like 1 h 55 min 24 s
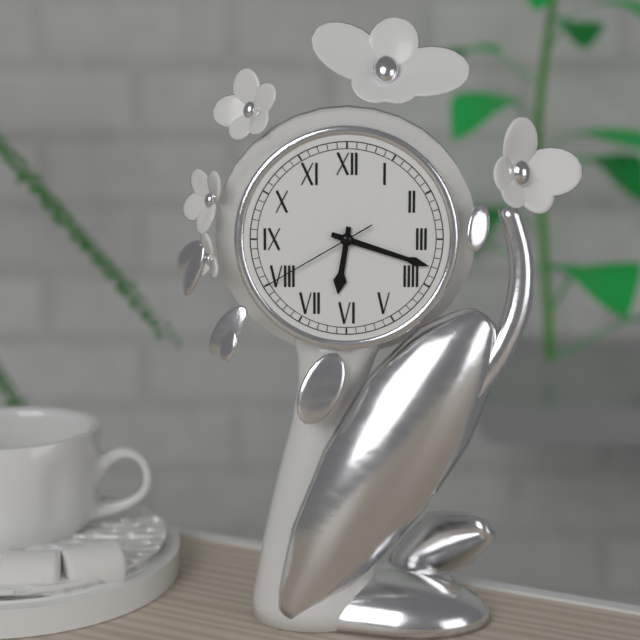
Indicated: 6 h 18 min 40 s
